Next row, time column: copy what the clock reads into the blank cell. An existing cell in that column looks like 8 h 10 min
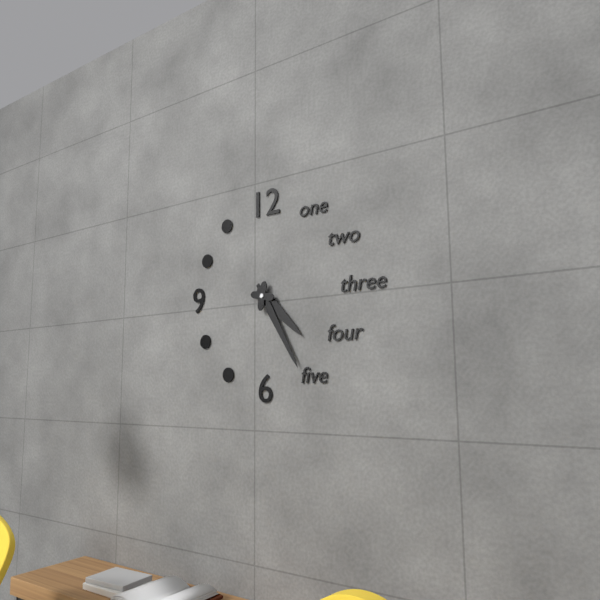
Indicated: 4 h 25 min
